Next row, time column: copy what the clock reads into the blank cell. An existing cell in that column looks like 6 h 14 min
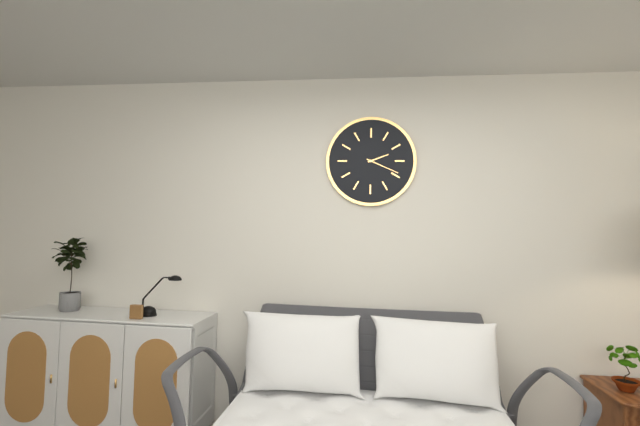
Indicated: 2 h 19 min
